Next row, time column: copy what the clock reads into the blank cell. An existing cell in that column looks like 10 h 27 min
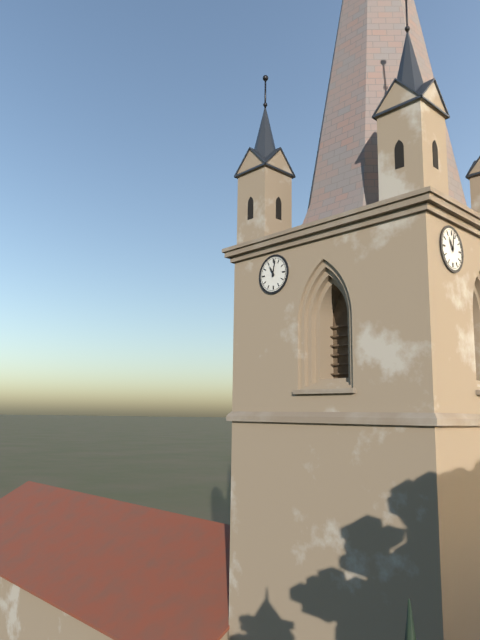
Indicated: 11 h 02 min
